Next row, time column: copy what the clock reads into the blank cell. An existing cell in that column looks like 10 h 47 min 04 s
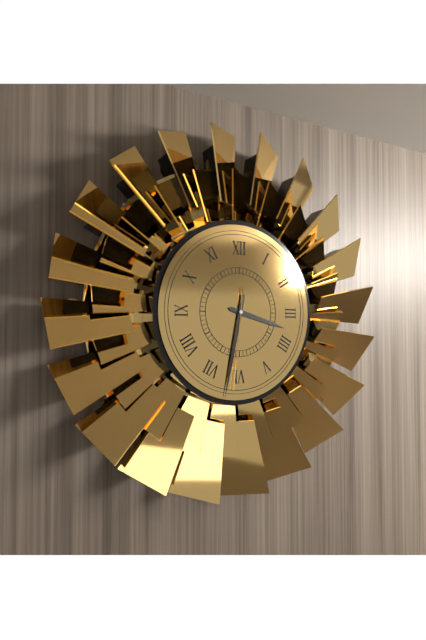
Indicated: 3 h 32 min 31 s
